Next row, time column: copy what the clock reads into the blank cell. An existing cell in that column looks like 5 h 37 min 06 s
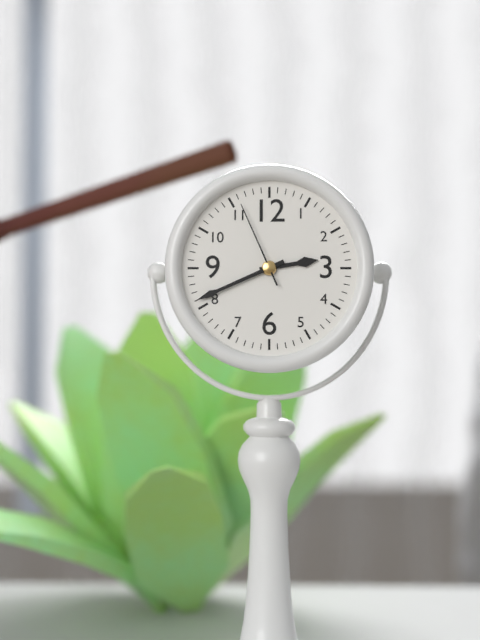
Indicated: 2 h 41 min 56 s
